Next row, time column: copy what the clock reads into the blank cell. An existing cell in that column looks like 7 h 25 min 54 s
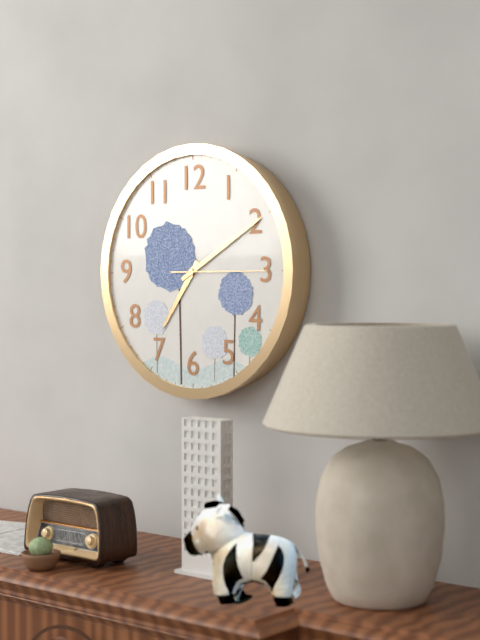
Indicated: 7 h 10 min 15 s
